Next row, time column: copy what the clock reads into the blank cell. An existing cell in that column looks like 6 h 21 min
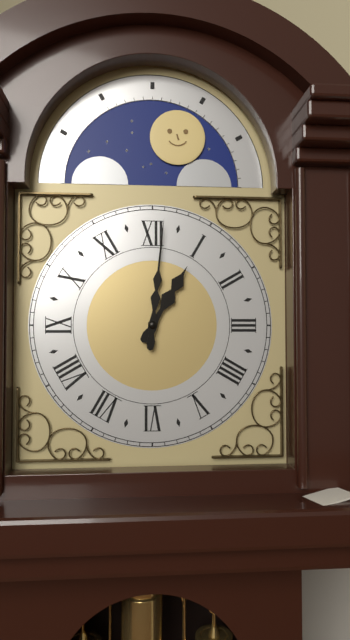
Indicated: 1 h 01 min
